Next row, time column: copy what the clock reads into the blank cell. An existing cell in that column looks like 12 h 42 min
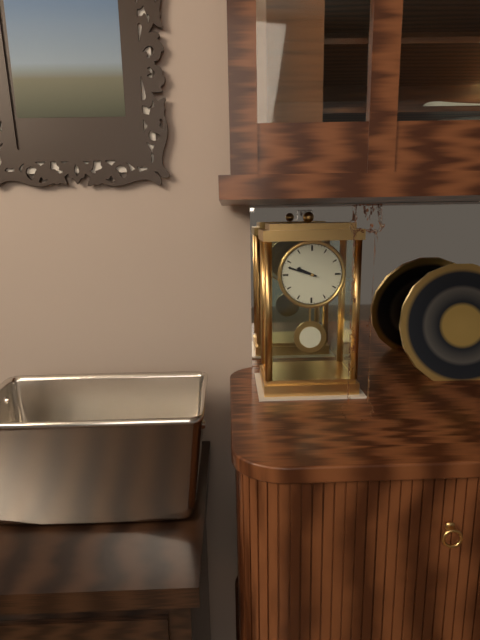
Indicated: 9 h 48 min
